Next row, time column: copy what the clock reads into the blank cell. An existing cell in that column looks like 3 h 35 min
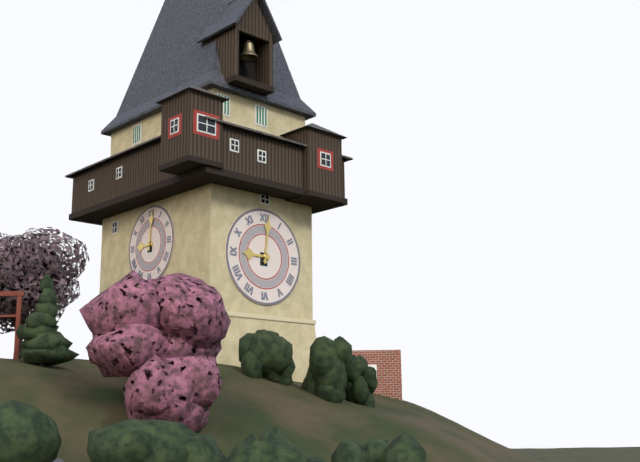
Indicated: 9 h 01 min
